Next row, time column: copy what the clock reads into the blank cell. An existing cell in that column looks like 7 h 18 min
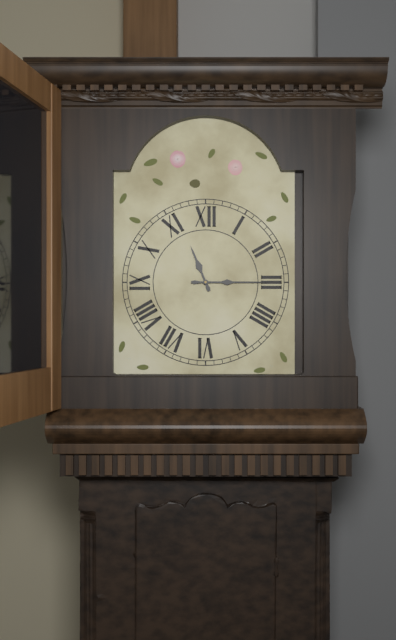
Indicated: 11 h 15 min
